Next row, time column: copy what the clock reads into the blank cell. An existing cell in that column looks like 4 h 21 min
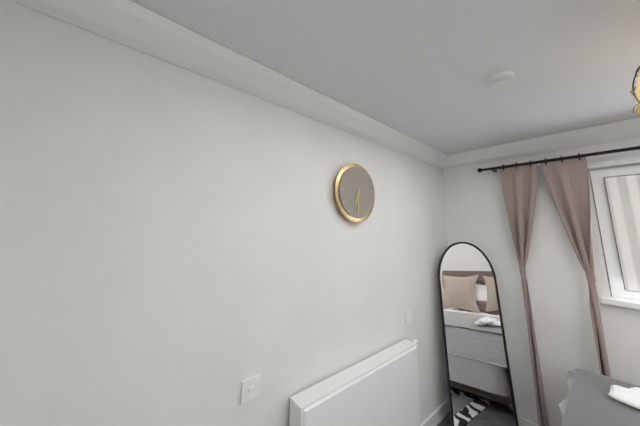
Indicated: 6 h 30 min
